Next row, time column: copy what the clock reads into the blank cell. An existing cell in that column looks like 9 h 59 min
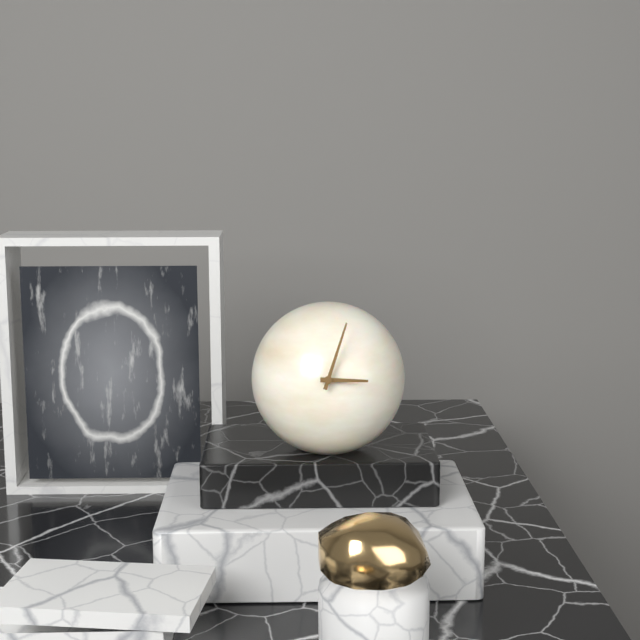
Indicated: 3 h 03 min
